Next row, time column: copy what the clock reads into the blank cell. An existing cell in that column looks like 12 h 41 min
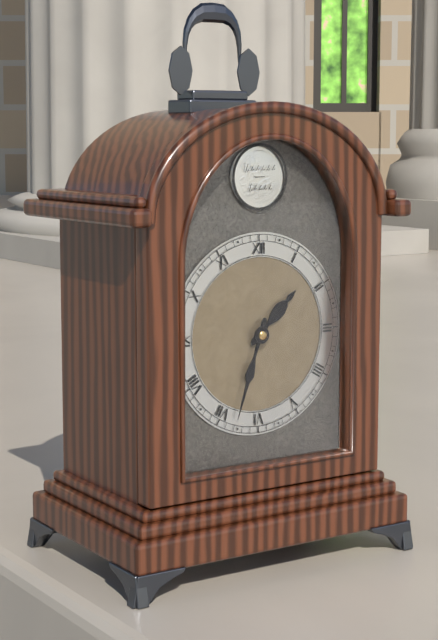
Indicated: 1 h 33 min
